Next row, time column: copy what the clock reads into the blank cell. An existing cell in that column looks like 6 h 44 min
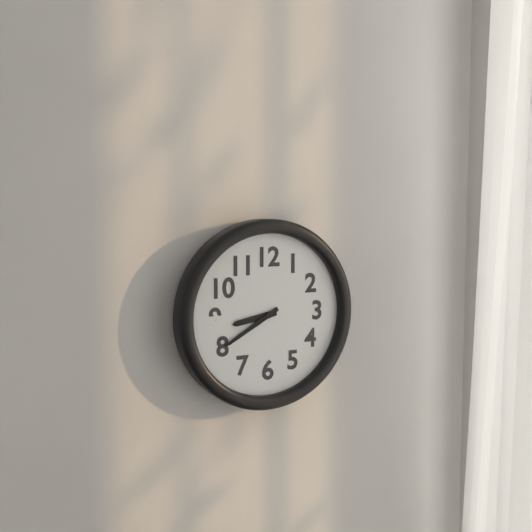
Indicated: 8 h 40 min
